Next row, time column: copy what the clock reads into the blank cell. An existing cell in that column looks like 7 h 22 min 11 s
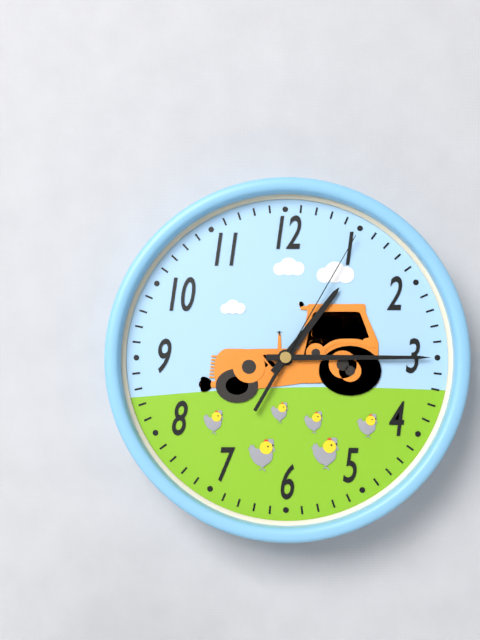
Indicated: 1 h 15 min 05 s
